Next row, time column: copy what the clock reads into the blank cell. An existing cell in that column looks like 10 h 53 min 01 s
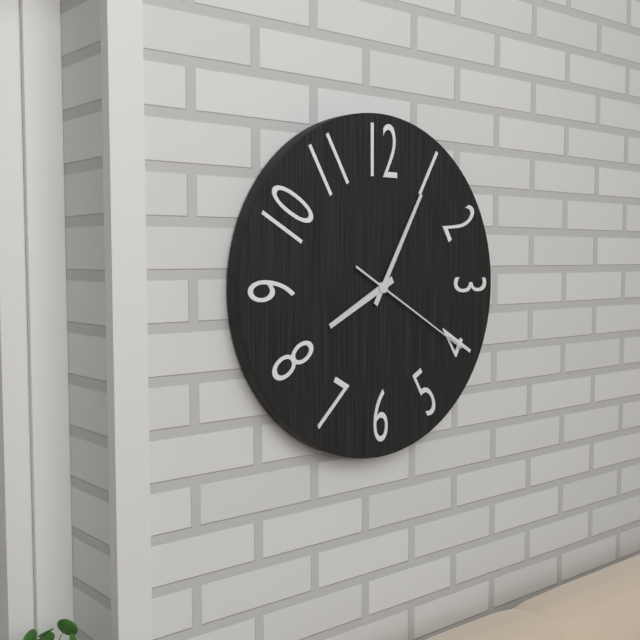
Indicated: 8 h 05 min 20 s
